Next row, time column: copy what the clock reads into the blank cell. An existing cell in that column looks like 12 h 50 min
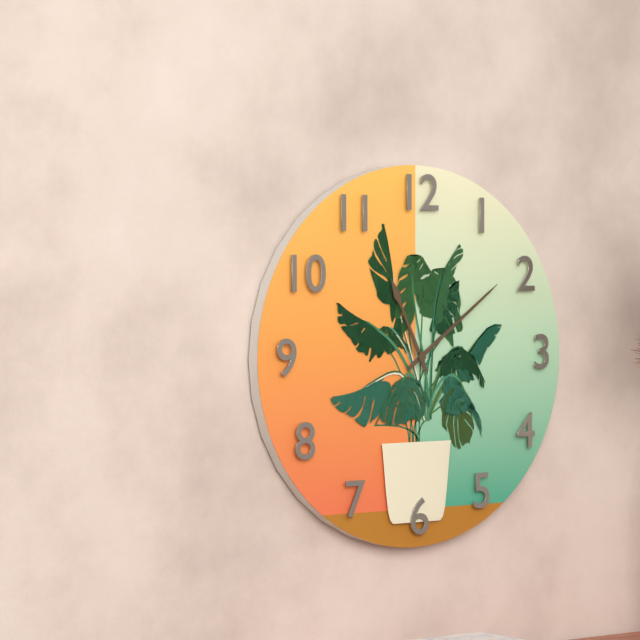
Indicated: 11 h 09 min
